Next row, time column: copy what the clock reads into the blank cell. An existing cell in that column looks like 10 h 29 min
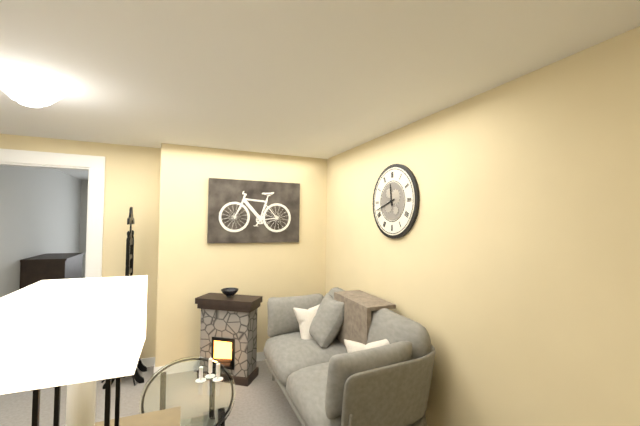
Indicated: 11 h 42 min
